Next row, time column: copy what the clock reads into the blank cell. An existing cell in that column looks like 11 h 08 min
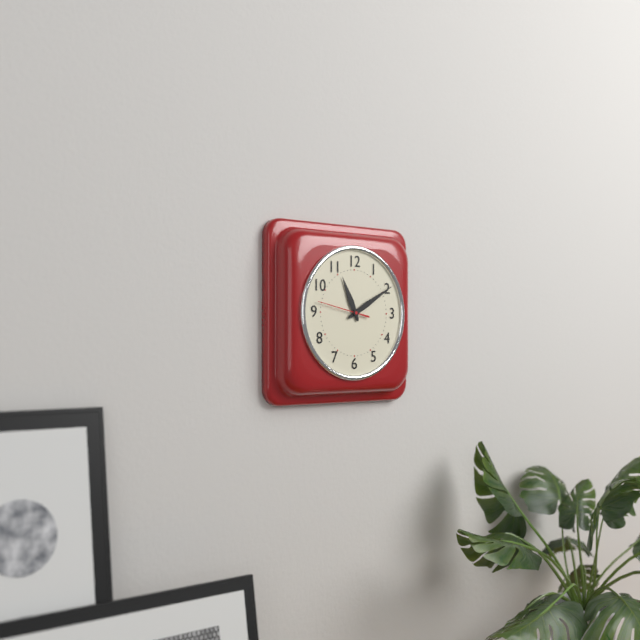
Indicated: 11 h 10 min
